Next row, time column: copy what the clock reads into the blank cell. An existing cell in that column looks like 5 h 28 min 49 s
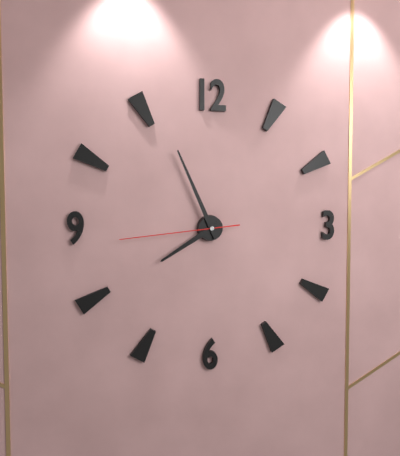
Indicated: 7 h 56 min 44 s
